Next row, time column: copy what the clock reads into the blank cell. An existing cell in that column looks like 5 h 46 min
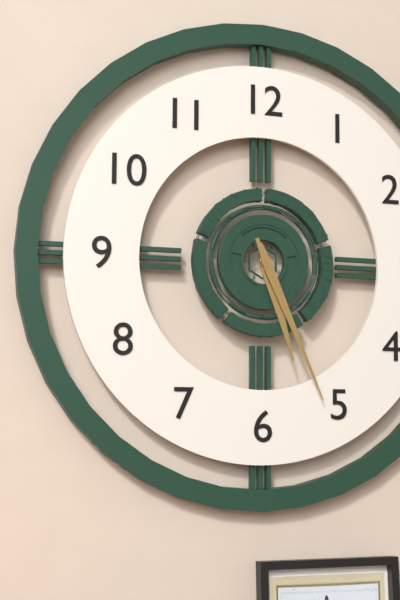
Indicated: 5 h 26 min
